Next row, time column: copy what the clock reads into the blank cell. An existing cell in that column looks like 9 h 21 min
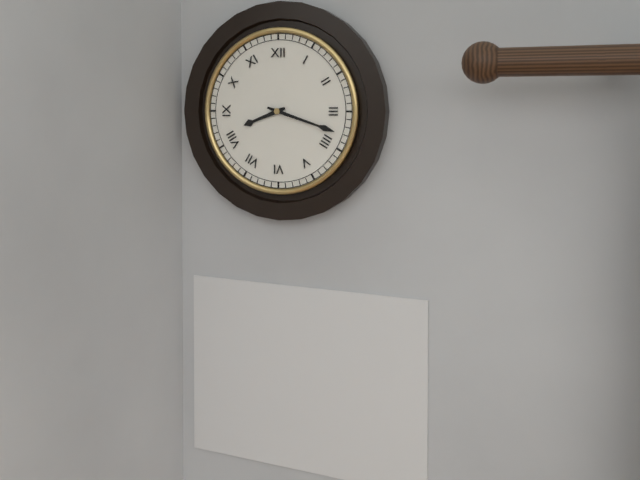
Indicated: 8 h 18 min
